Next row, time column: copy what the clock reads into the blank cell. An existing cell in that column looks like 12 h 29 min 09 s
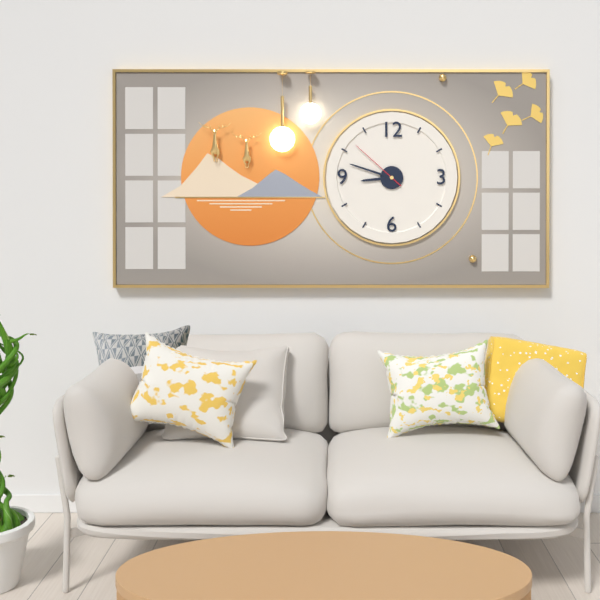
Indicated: 8 h 48 min 52 s
